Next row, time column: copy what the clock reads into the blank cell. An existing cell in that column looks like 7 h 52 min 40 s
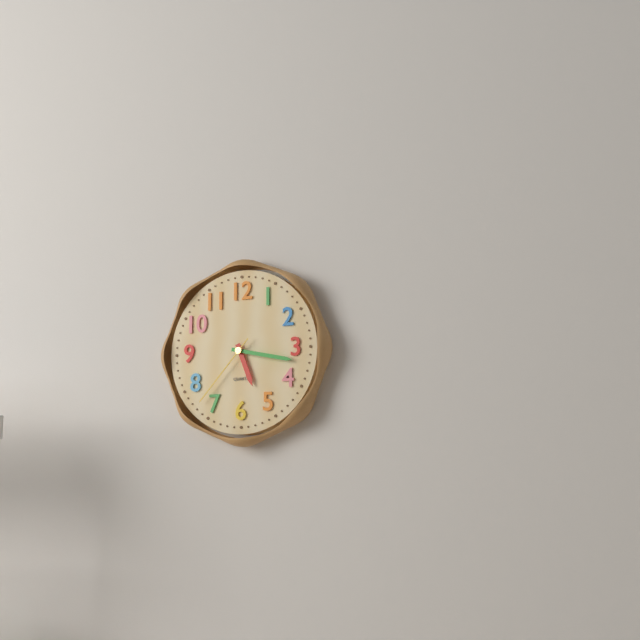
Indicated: 5 h 17 min 37 s
